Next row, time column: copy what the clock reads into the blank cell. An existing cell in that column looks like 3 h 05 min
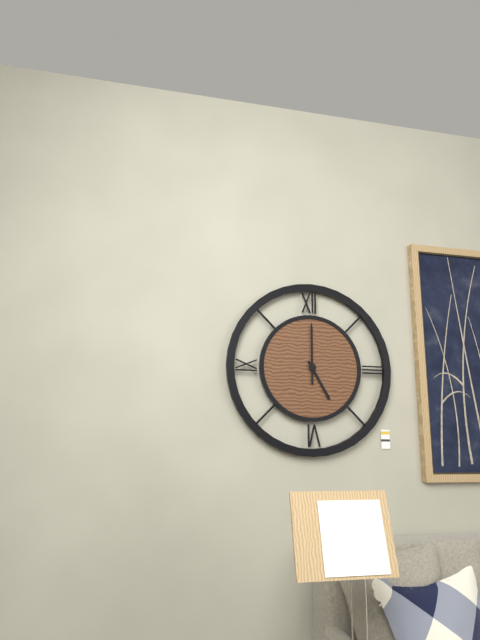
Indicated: 5 h 00 min
